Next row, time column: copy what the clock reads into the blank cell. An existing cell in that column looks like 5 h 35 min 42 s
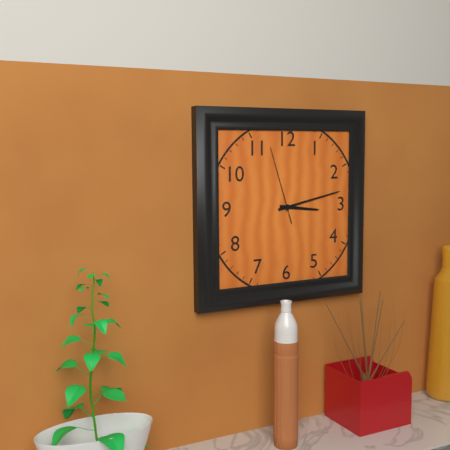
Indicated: 3 h 13 min 57 s
